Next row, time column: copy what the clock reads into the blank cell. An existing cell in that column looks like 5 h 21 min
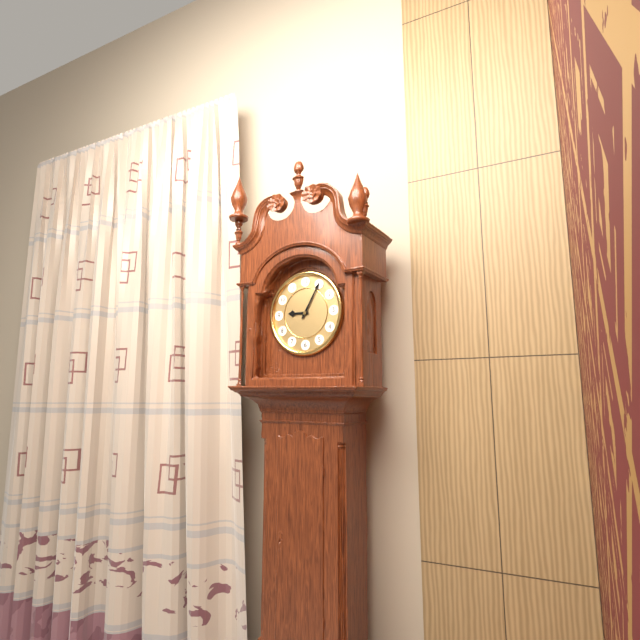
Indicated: 9 h 05 min
